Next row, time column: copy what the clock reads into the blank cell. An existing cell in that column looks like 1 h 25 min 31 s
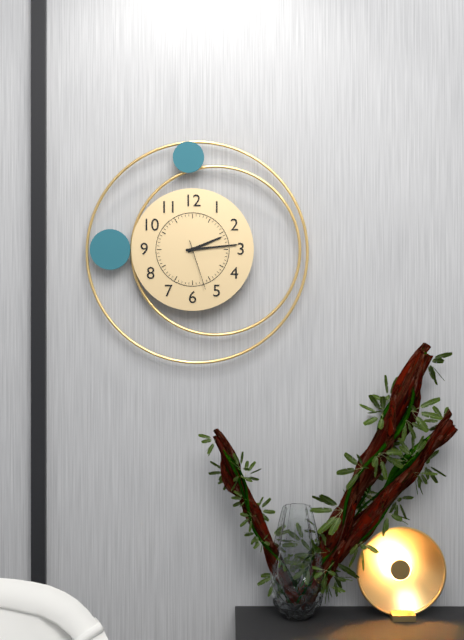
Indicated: 2 h 14 min 27 s
